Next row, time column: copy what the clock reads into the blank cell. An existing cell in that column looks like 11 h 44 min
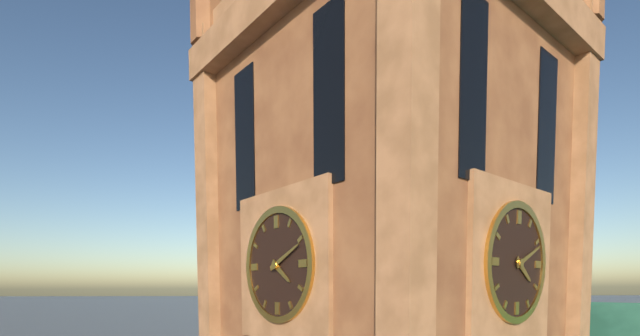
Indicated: 4 h 11 min
